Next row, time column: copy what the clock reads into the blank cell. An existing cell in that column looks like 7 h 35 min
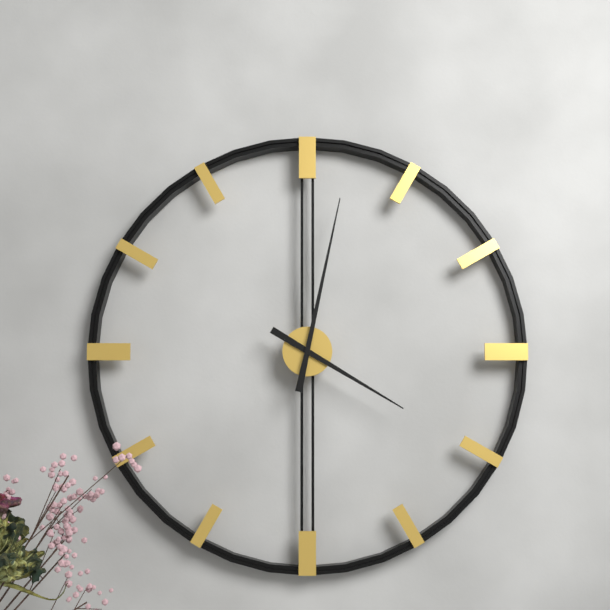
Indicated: 4 h 02 min
